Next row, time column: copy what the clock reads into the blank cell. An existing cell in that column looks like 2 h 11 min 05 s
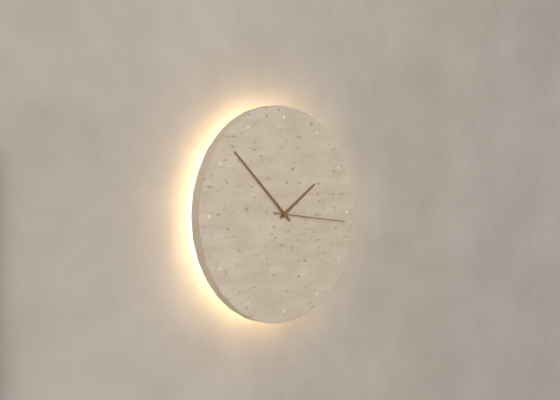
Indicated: 1 h 52 min 16 s
